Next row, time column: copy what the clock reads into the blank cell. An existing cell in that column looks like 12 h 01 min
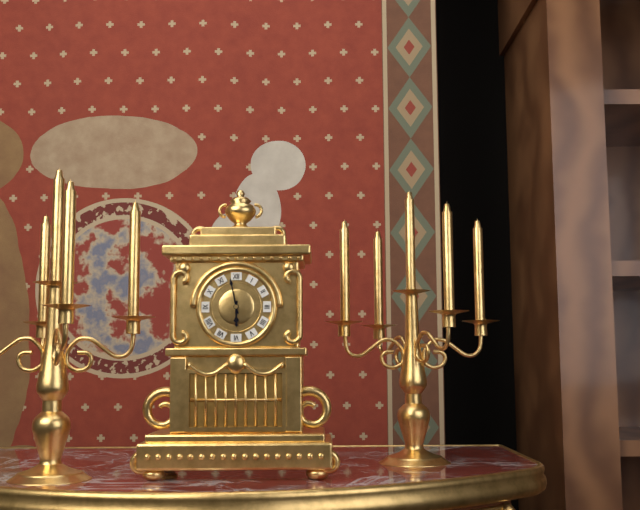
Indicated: 5 h 58 min
